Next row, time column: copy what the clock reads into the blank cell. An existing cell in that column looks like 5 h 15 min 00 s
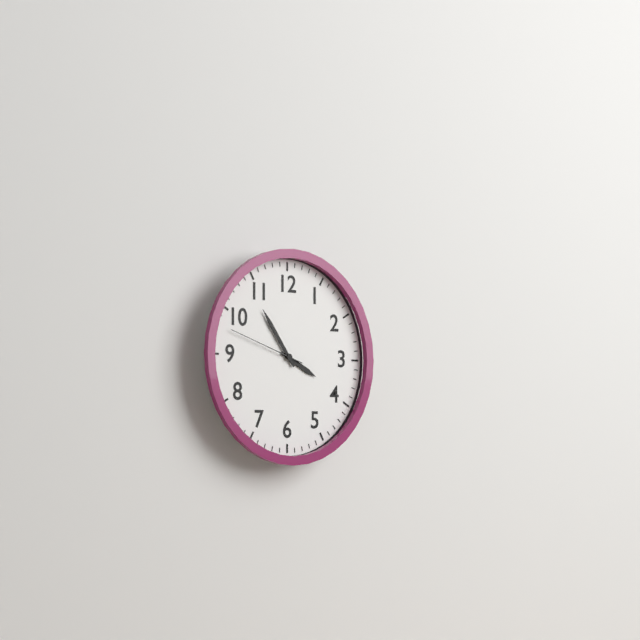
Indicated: 3 h 54 min 48 s
